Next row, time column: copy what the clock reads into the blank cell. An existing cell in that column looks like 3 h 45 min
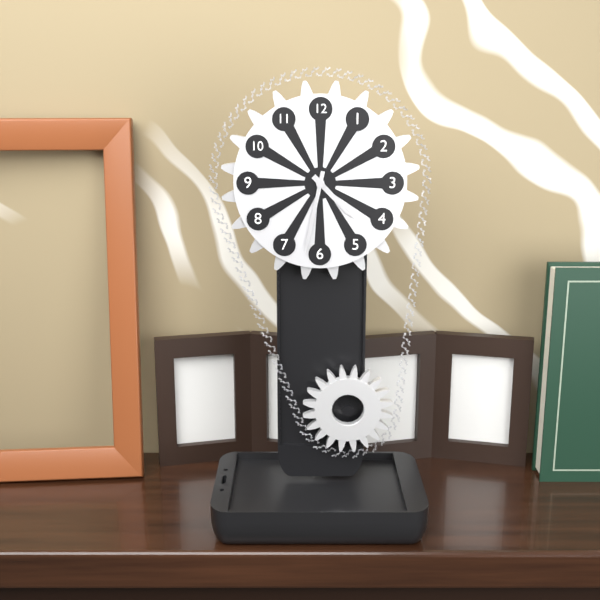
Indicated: 4 h 32 min
